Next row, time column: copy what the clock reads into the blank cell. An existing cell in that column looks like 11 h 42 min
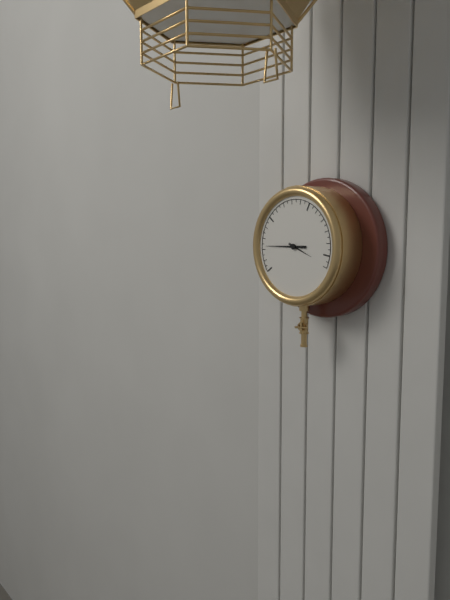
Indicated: 3 h 45 min
